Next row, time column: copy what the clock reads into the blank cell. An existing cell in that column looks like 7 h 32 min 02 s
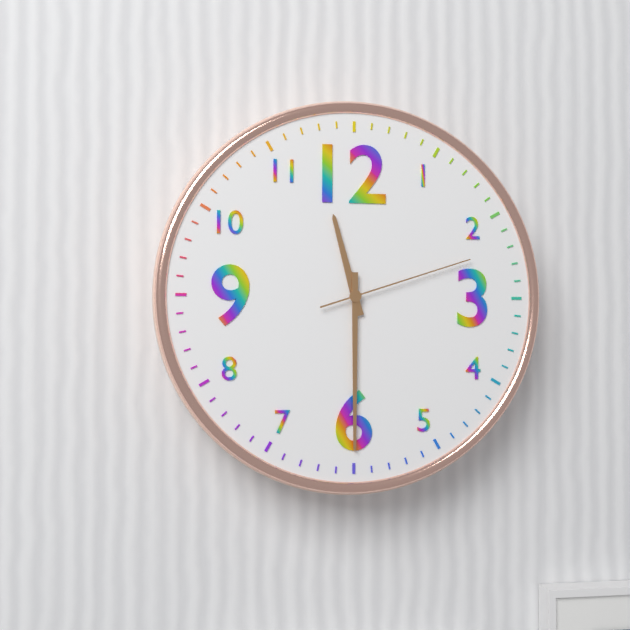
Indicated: 11 h 30 min 12 s
